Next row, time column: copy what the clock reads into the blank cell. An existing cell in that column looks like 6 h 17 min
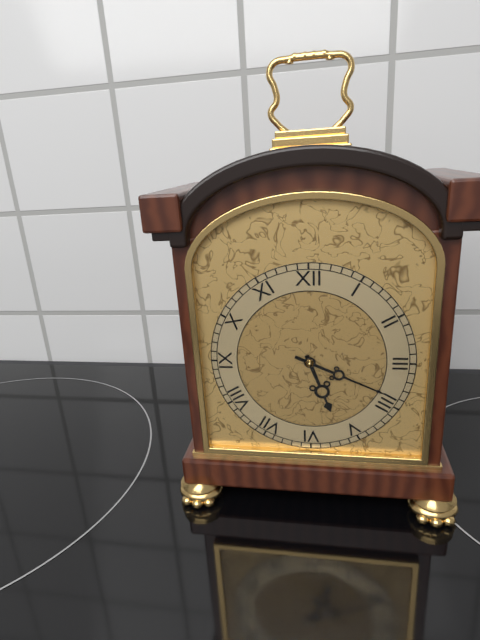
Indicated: 5 h 19 min
